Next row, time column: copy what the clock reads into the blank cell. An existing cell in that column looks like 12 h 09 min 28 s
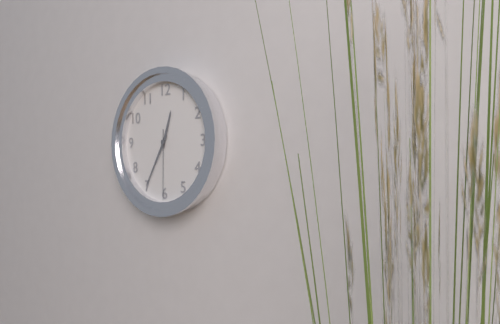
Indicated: 12 h 35 min 30 s
